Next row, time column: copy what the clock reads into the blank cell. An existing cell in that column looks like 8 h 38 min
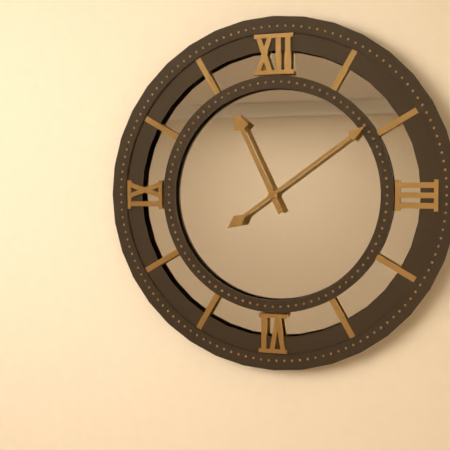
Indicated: 11 h 09 min
